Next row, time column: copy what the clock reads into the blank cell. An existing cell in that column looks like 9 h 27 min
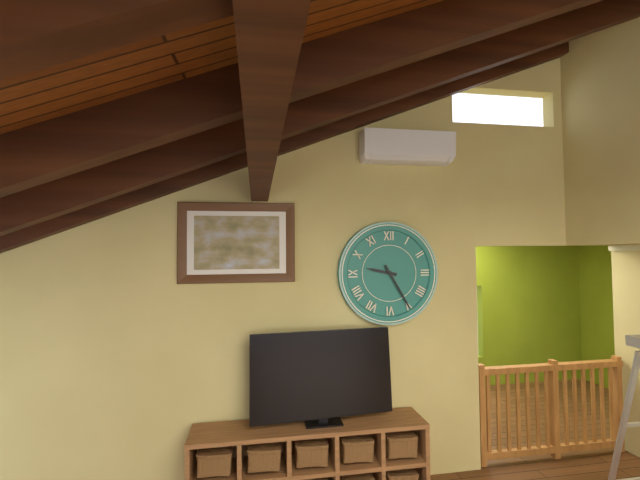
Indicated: 9 h 25 min
